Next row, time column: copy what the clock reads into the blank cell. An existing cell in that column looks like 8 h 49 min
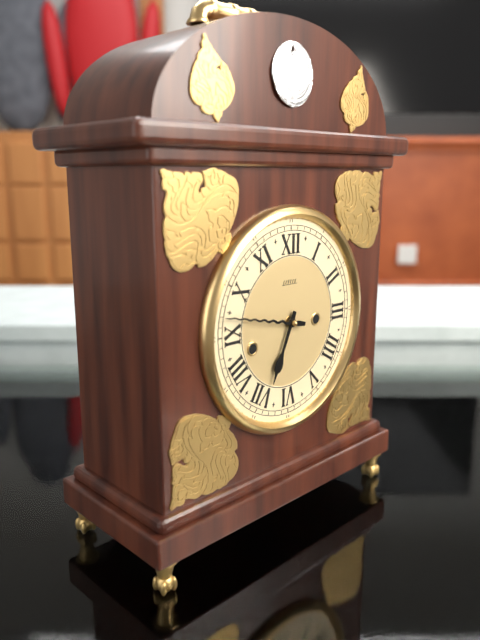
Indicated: 6 h 47 min
